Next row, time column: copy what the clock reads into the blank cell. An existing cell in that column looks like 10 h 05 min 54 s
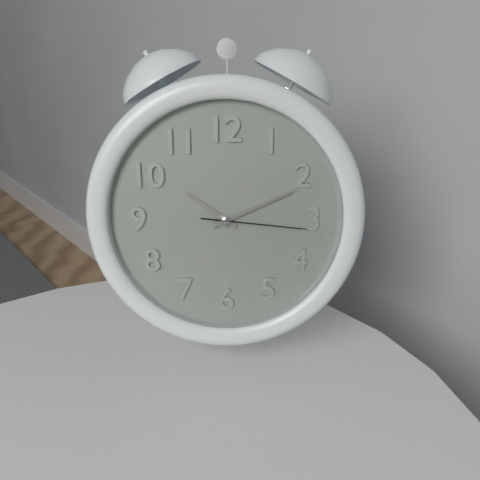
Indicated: 10 h 11 min 16 s
